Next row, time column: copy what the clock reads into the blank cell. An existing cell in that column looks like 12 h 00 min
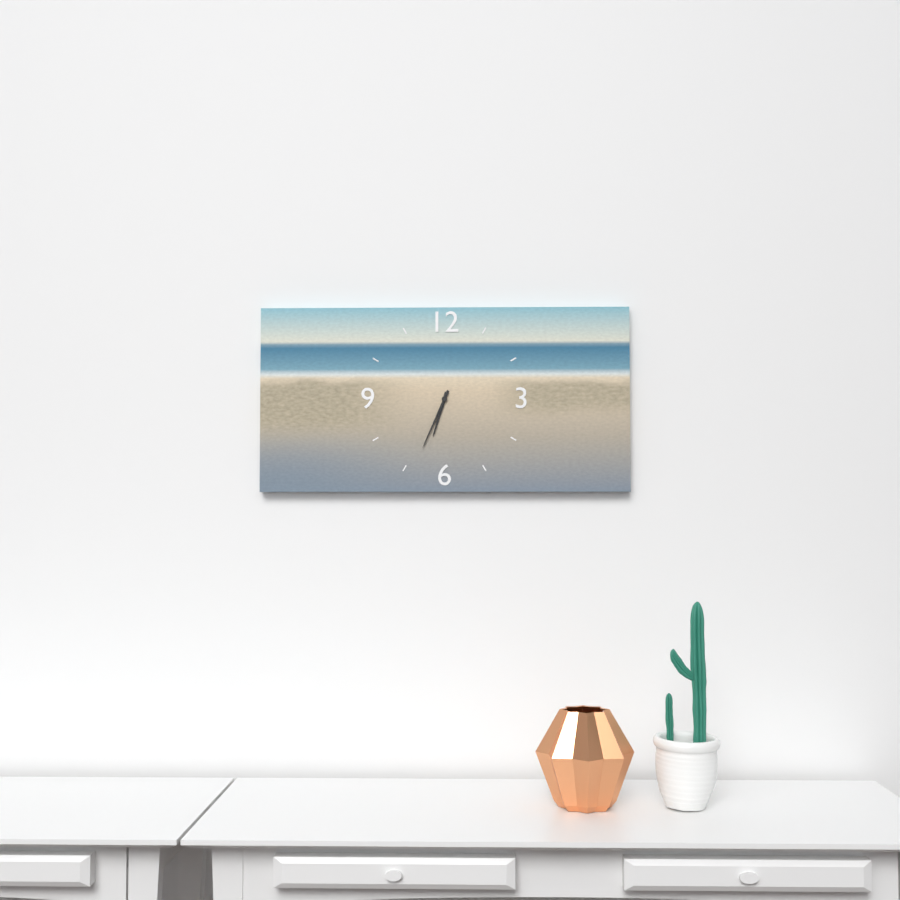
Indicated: 6 h 34 min
